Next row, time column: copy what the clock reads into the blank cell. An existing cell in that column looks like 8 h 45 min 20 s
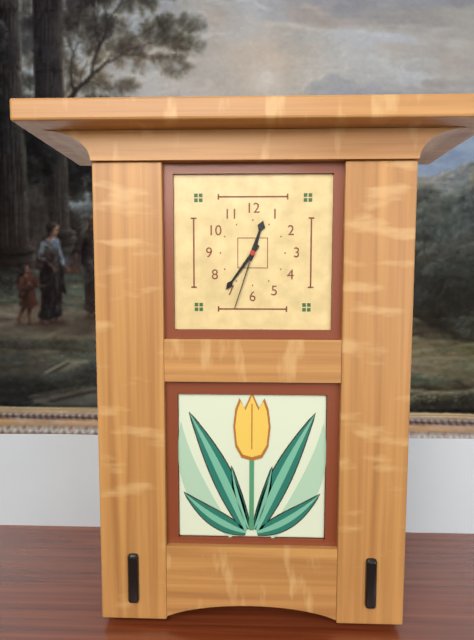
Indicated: 12 h 36 min 33 s
